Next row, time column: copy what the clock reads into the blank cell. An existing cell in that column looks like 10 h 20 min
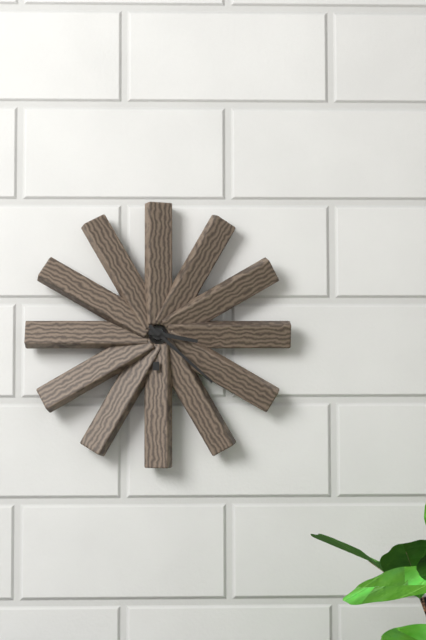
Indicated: 3 h 22 min
